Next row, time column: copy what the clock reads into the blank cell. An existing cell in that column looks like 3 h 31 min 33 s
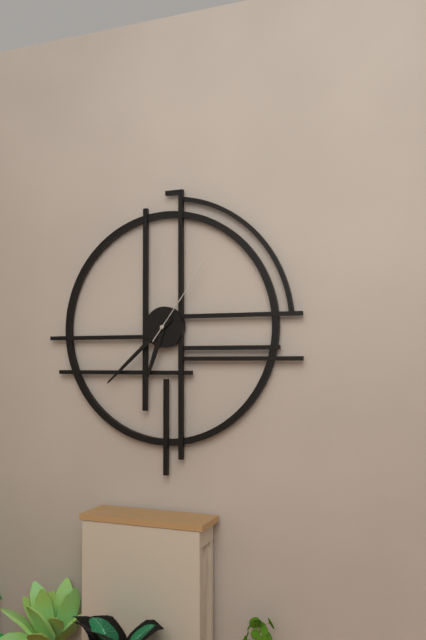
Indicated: 6 h 38 min 06 s
